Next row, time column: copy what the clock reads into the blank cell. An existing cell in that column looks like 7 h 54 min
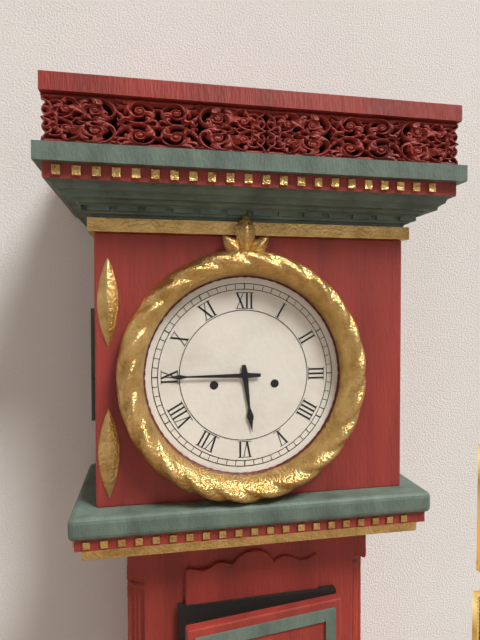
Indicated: 5 h 45 min
